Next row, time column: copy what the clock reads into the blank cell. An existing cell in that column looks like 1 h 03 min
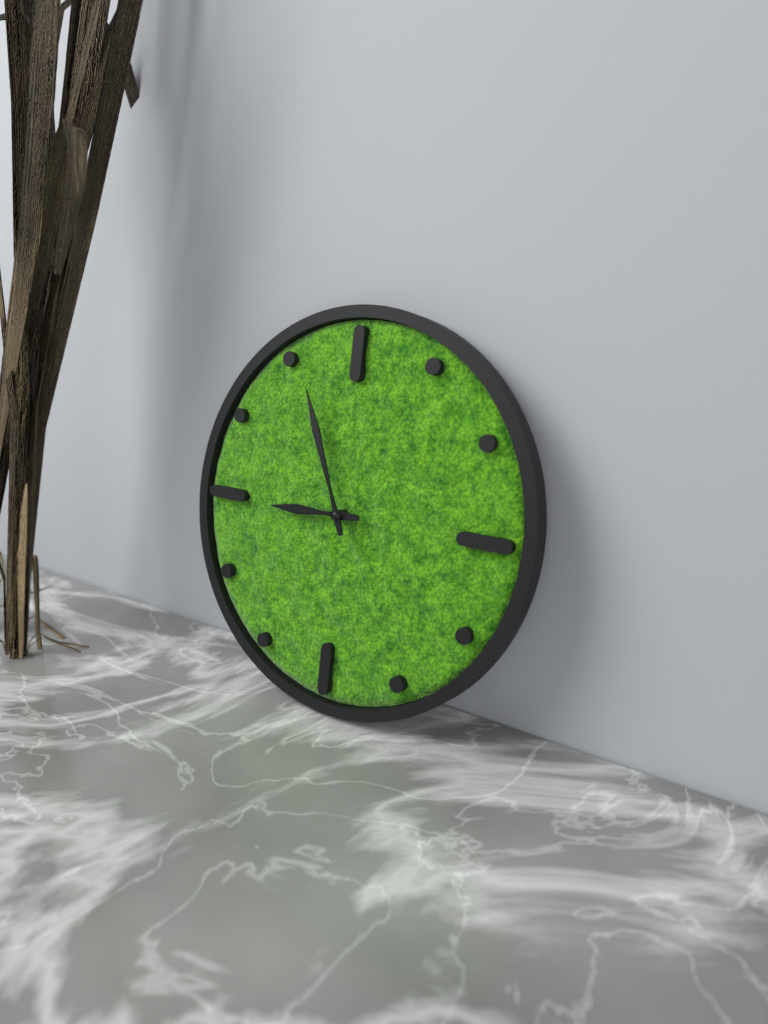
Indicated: 8 h 56 min
